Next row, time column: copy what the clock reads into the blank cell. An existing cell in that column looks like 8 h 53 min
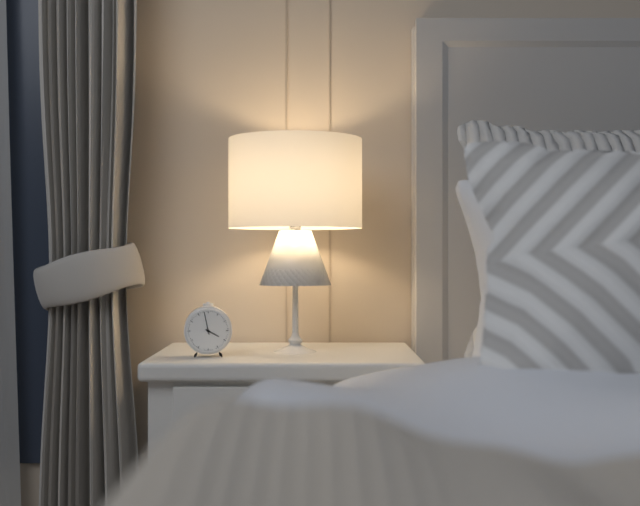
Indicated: 3 h 58 min
